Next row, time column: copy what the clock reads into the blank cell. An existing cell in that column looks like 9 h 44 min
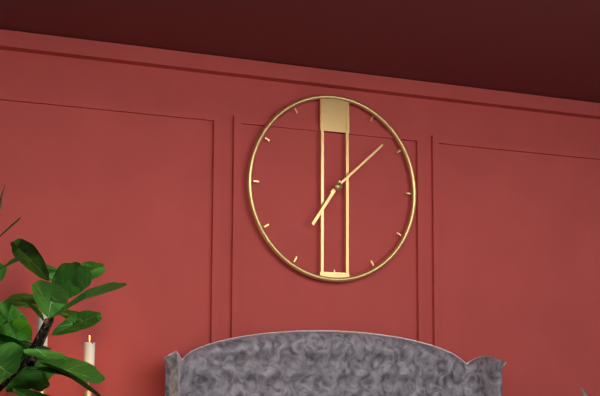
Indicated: 7 h 08 min
